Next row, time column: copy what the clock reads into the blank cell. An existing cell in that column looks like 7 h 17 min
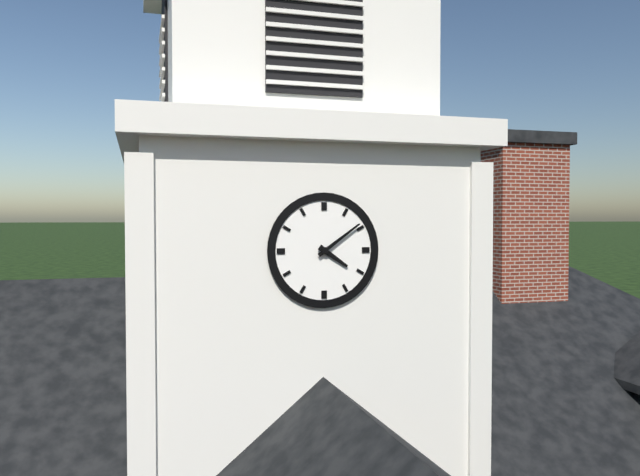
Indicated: 4 h 09 min
